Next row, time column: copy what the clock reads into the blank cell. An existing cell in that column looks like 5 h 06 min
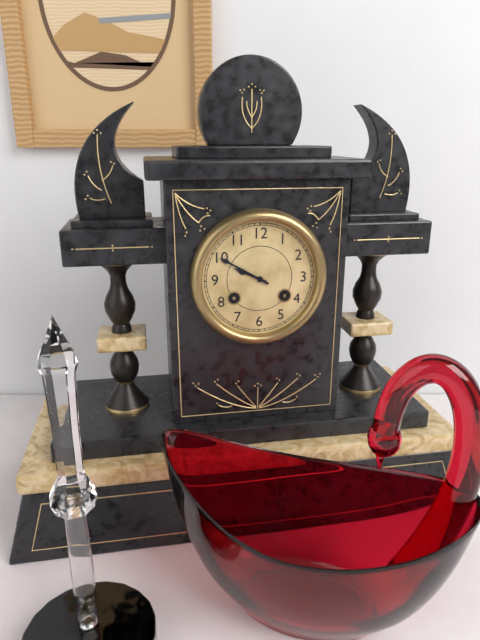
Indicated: 9 h 50 min
